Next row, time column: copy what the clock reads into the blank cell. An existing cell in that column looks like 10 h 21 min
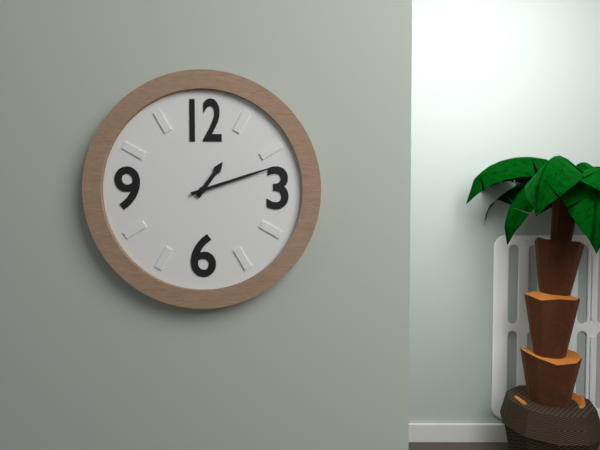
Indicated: 1 h 12 min
